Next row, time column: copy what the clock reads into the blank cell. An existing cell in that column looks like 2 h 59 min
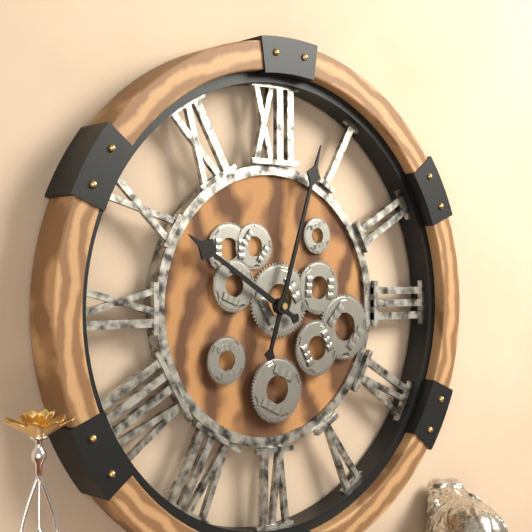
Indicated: 10 h 03 min
